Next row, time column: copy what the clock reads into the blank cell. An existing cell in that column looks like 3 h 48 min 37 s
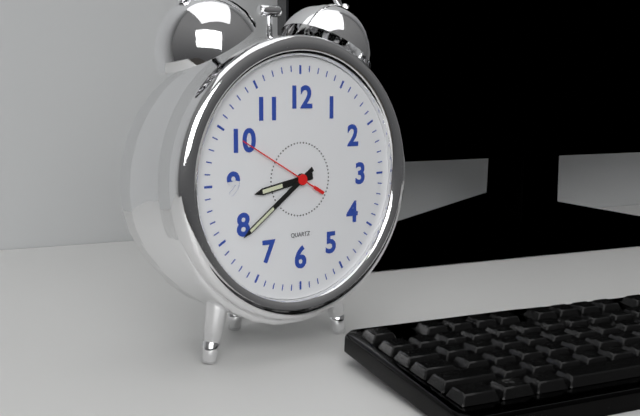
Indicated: 8 h 39 min 50 s
